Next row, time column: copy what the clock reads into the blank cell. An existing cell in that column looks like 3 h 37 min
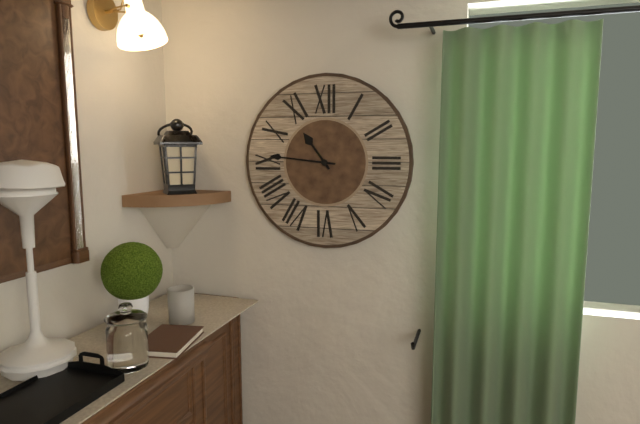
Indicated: 10 h 46 min
